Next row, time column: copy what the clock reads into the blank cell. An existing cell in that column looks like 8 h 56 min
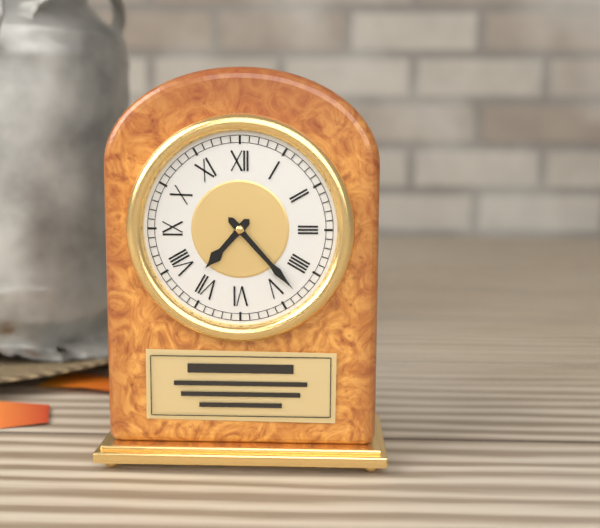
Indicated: 7 h 23 min
